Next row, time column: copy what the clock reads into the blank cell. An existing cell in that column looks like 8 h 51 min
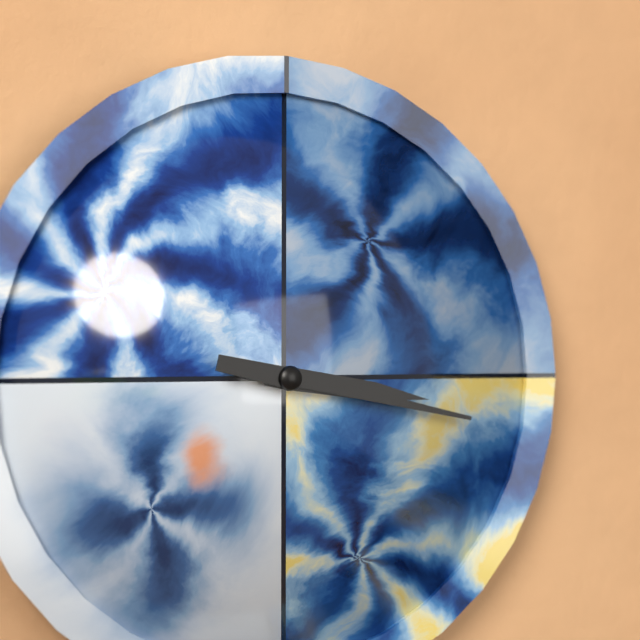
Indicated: 3 h 17 min
